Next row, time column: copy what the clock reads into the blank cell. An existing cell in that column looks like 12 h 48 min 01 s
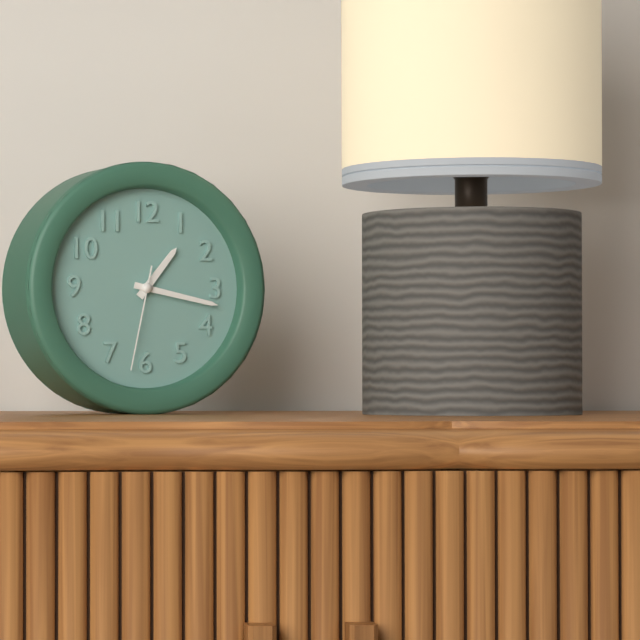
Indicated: 1 h 17 min 32 s
